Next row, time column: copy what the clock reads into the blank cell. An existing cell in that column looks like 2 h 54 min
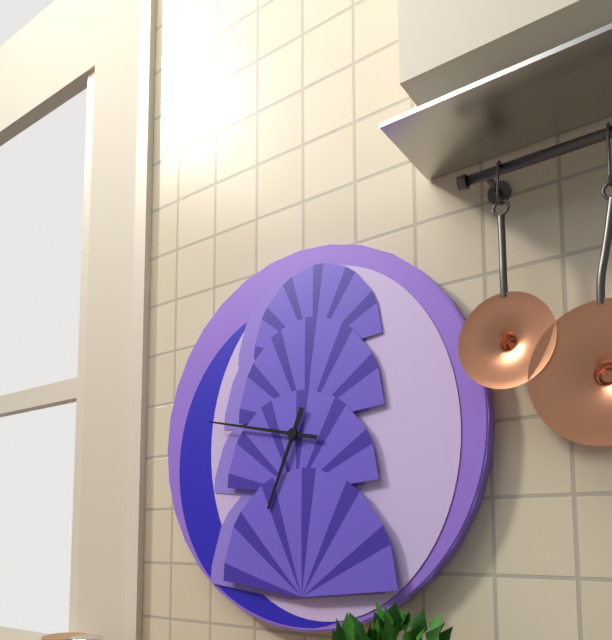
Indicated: 6 h 47 min
